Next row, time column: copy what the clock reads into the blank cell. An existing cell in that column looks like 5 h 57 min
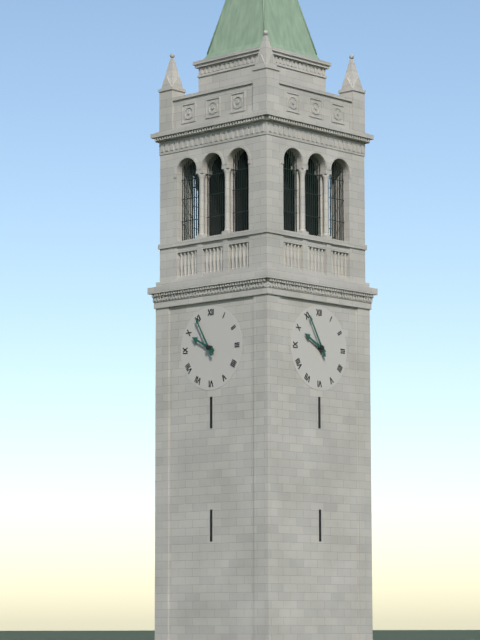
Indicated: 9 h 55 min
